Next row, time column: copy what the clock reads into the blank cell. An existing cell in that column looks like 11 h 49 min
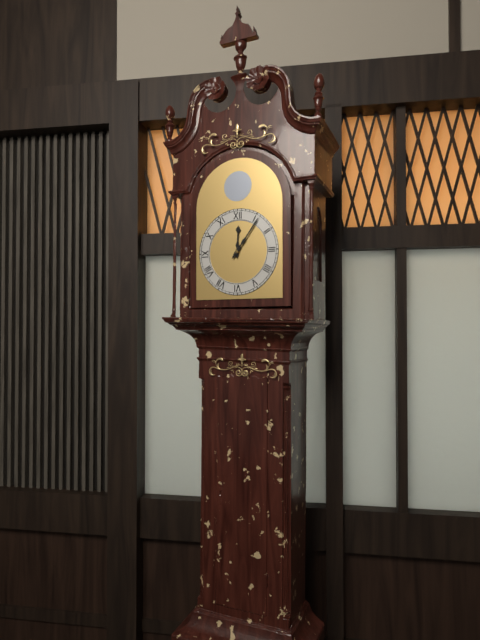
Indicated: 12 h 06 min
